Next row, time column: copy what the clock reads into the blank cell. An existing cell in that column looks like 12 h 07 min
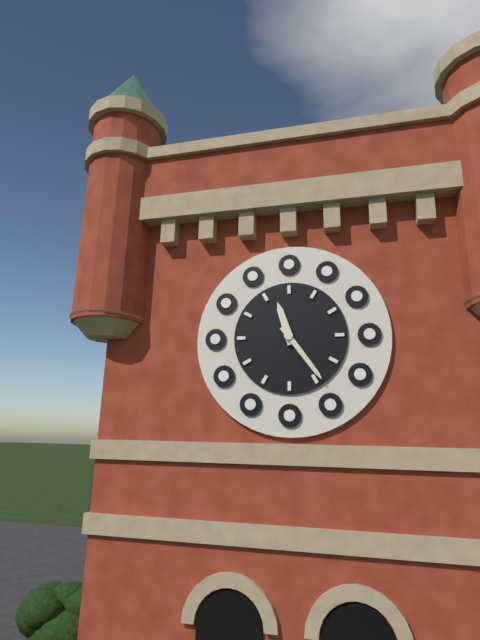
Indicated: 11 h 24 min
